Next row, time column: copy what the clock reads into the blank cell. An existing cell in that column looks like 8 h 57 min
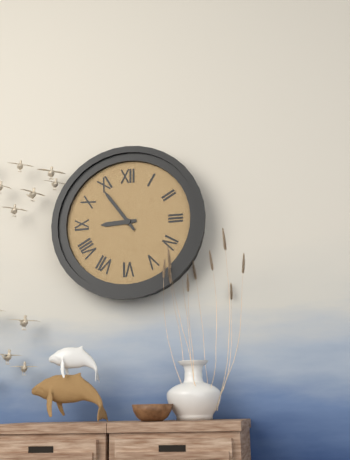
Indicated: 8 h 54 min
